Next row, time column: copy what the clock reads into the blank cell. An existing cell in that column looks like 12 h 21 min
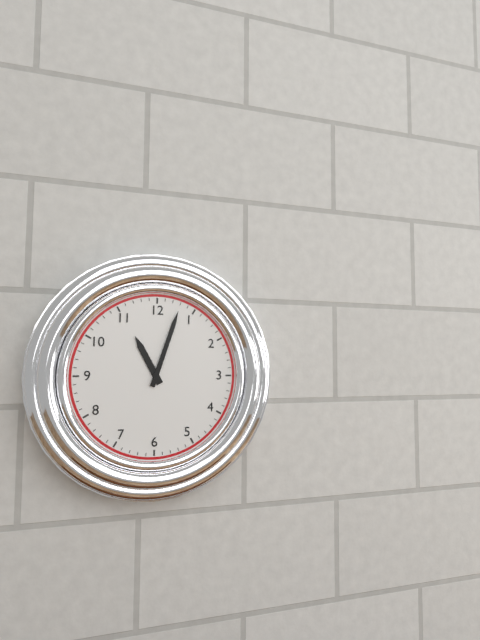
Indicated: 11 h 03 min
